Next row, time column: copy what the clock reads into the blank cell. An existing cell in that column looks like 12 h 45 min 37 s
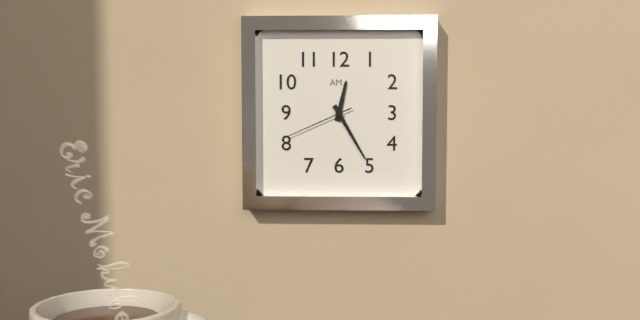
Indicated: 12 h 25 min 41 s
